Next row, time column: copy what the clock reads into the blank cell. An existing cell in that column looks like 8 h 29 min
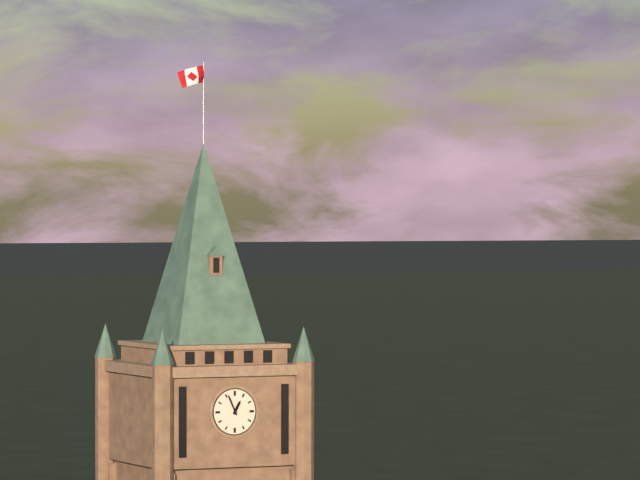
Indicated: 12 h 56 min
